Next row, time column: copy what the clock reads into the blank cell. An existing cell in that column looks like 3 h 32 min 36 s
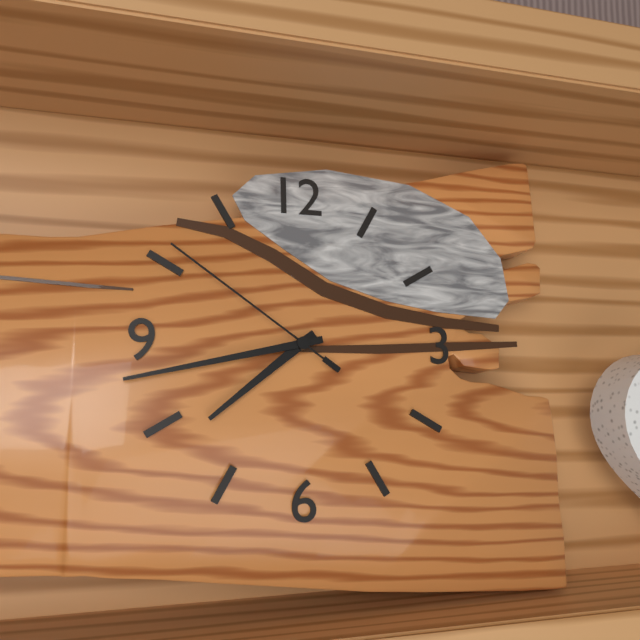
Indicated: 7 h 43 min 51 s
